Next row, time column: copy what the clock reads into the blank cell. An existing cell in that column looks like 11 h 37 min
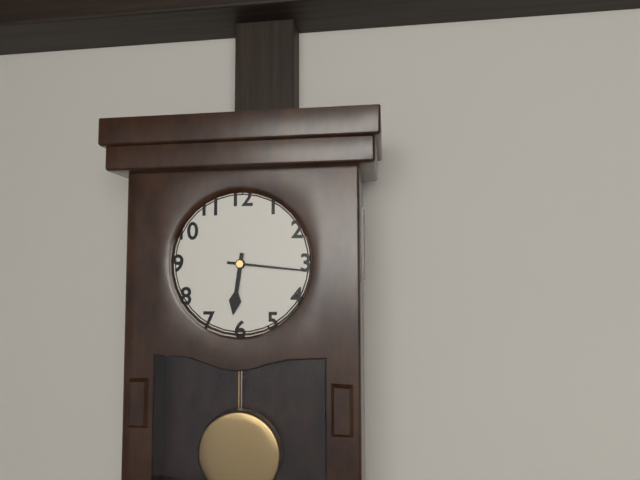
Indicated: 6 h 16 min
